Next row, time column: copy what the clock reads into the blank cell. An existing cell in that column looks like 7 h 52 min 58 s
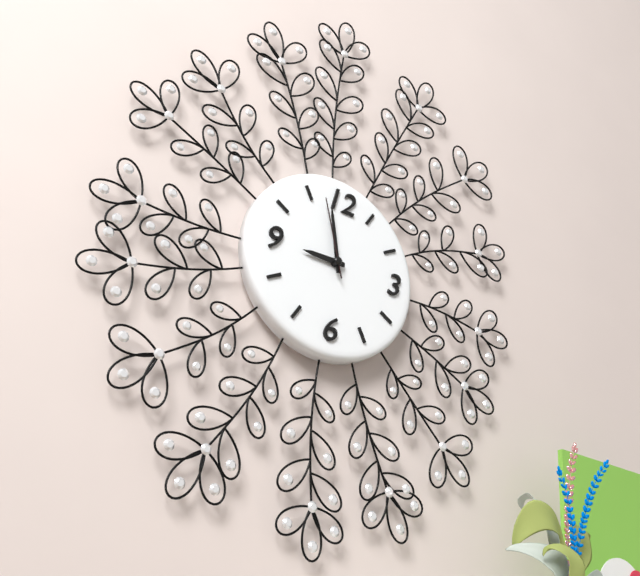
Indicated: 8 h 58 min 57 s
